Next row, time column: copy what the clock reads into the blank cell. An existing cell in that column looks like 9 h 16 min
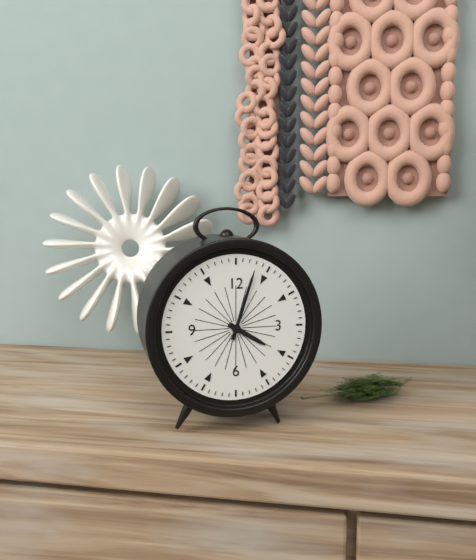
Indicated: 4 h 03 min
